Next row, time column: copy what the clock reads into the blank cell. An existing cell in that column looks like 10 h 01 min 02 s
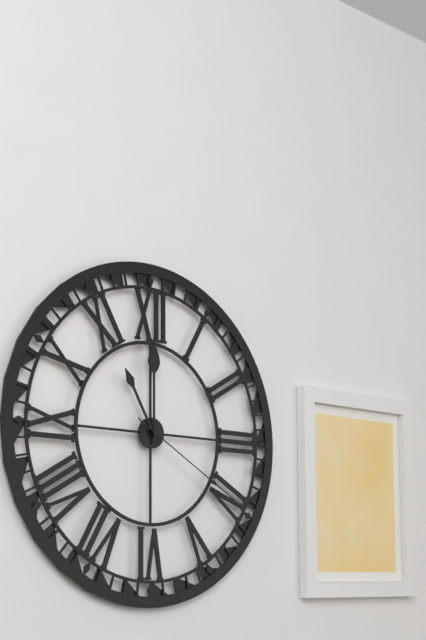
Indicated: 11 h 00 min 20 s
